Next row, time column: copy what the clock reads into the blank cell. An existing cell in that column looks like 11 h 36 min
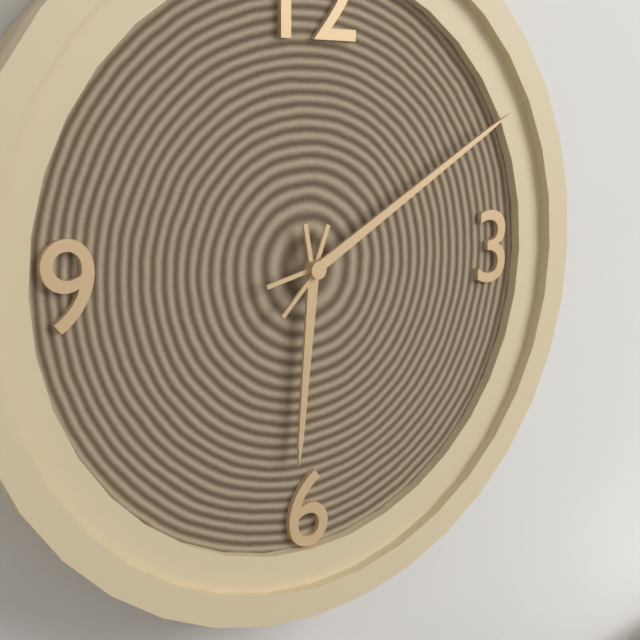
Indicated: 6 h 10 min
